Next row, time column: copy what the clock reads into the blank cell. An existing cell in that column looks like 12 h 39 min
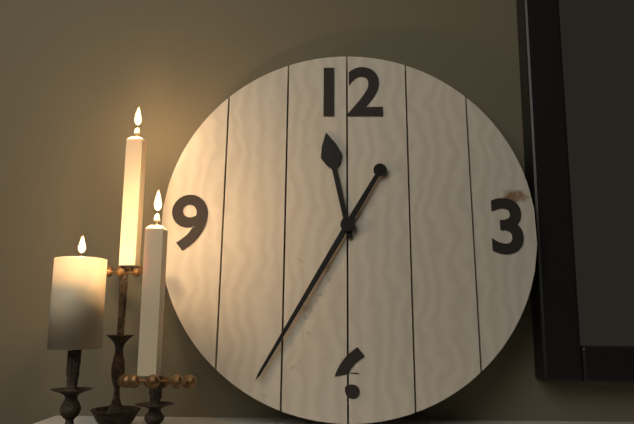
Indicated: 11 h 35 min
